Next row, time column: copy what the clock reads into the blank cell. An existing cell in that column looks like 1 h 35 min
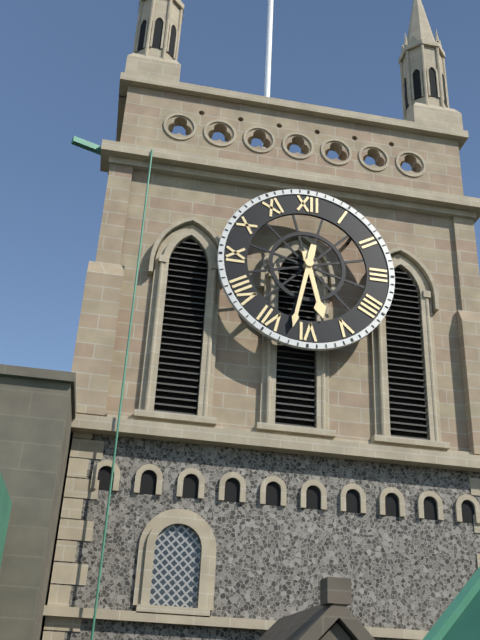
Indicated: 5 h 32 min
